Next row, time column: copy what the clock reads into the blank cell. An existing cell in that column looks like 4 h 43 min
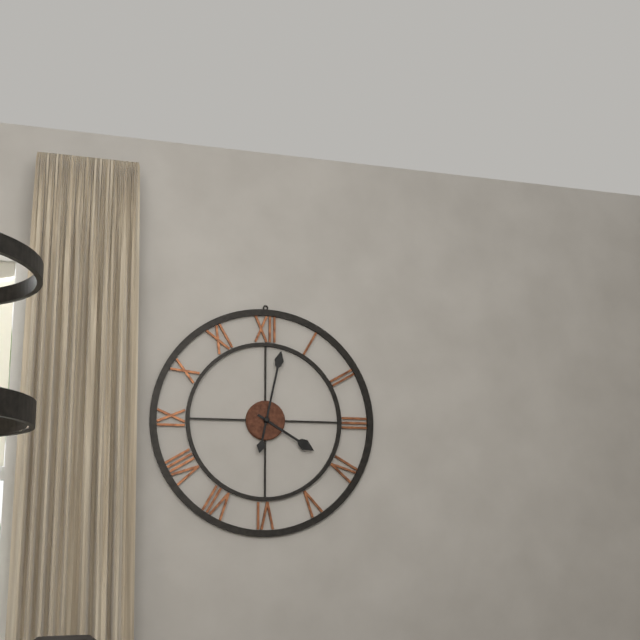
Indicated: 4 h 02 min
